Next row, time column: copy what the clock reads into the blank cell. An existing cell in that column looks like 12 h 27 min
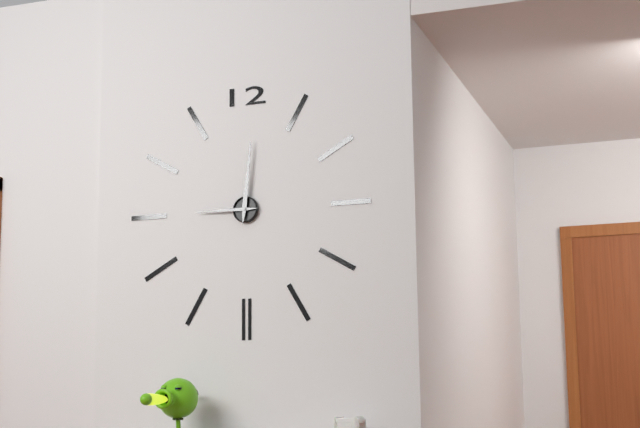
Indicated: 9 h 01 min
